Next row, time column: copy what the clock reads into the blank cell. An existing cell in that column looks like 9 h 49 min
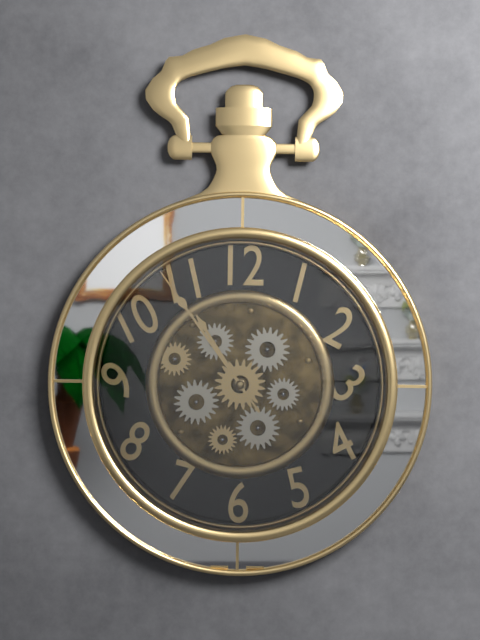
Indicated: 10 h 54 min
